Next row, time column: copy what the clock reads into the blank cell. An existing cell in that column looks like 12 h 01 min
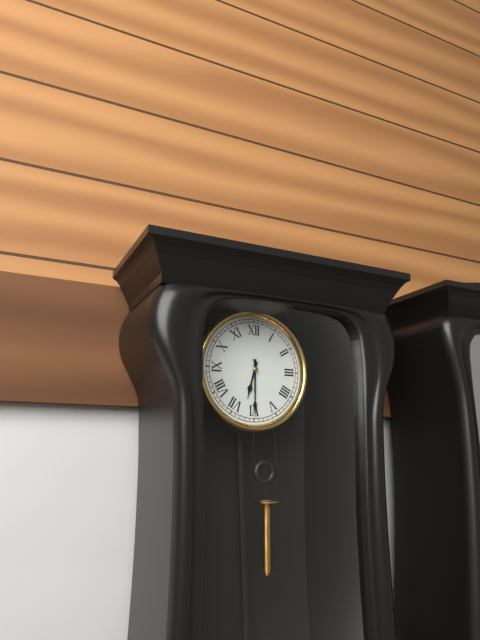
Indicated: 6 h 30 min
